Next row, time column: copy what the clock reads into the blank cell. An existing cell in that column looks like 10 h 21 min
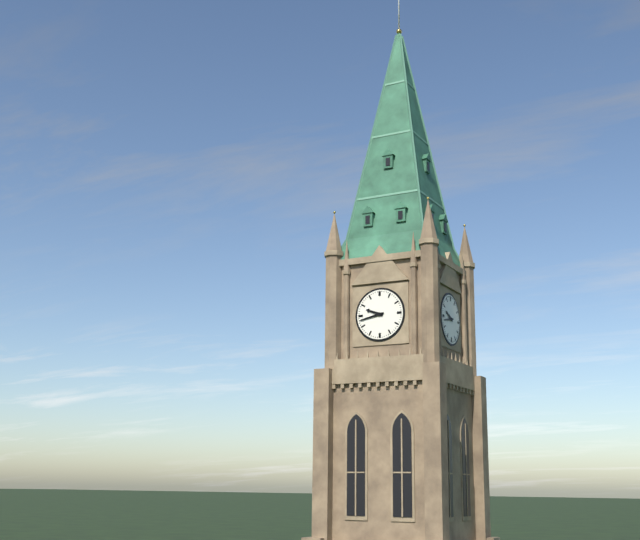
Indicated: 9 h 43 min
